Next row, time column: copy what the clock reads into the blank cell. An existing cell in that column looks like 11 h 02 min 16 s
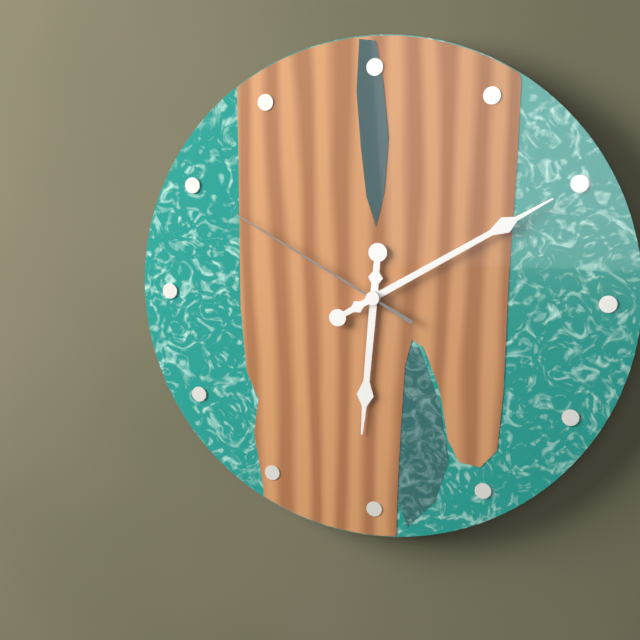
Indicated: 6 h 10 min 50 s
